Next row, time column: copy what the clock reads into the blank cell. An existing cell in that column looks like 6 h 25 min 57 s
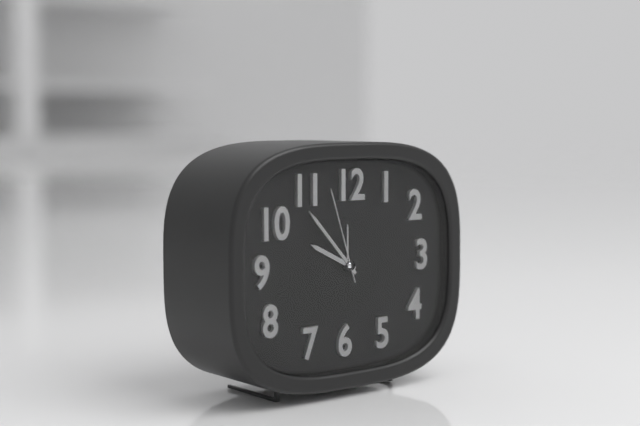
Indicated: 9 h 53 min 57 s
